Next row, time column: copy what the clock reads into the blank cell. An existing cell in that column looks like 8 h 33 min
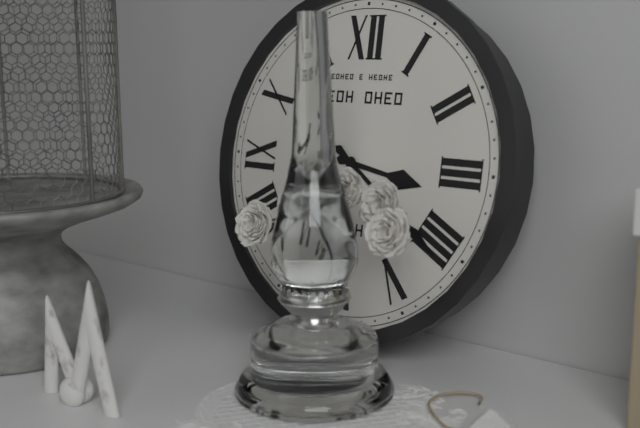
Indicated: 3 h 21 min
